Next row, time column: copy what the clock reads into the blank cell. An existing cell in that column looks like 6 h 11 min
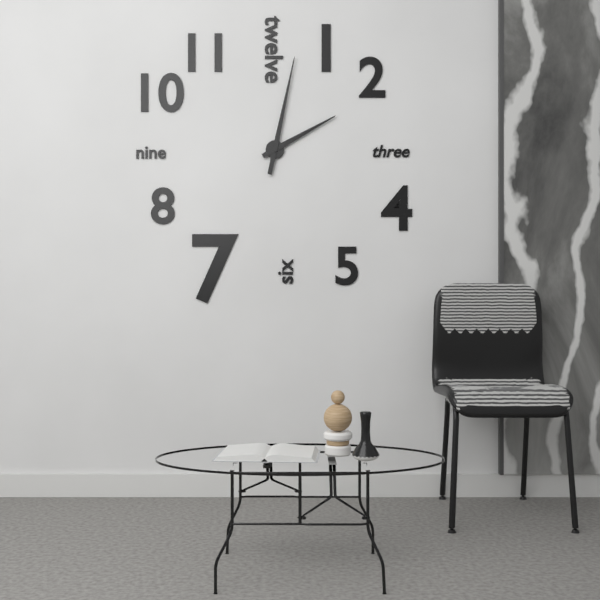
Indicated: 2 h 02 min
